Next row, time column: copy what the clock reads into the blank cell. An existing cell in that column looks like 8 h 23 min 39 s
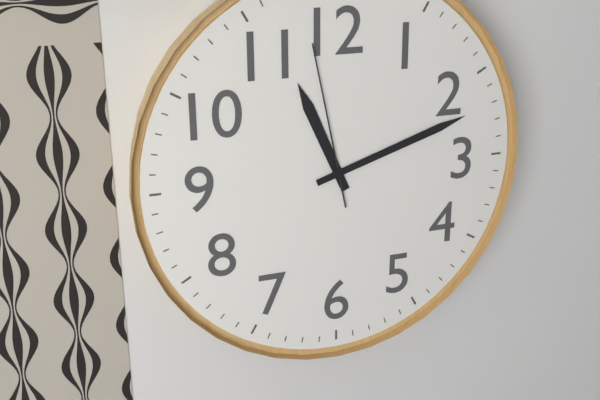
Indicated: 11 h 12 min 58 s
